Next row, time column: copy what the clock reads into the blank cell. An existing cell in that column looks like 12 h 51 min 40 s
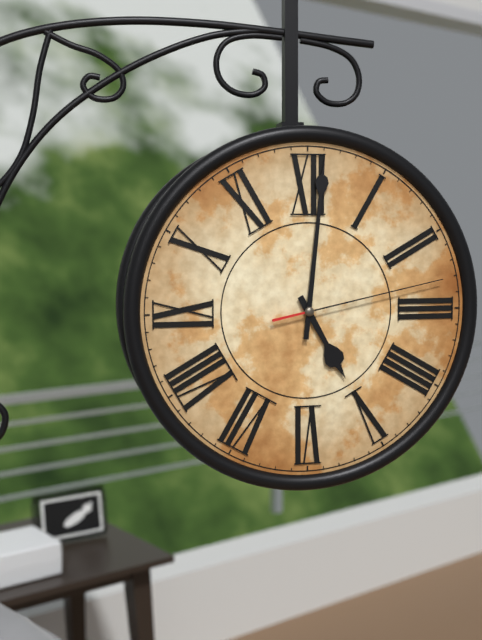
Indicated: 5 h 01 min 13 s
